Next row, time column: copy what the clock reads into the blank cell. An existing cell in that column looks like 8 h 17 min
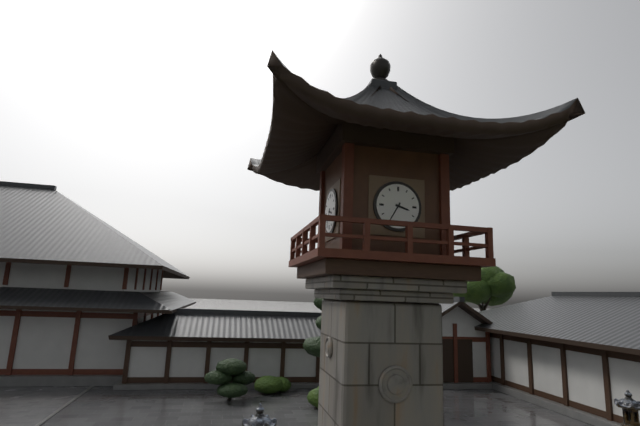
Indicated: 3 h 35 min
